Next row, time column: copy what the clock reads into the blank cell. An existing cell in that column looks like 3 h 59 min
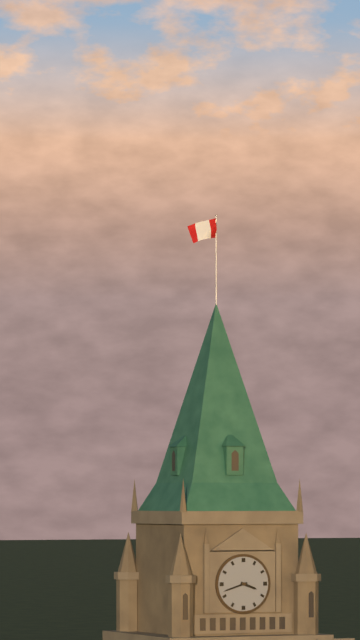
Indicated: 3 h 42 min
